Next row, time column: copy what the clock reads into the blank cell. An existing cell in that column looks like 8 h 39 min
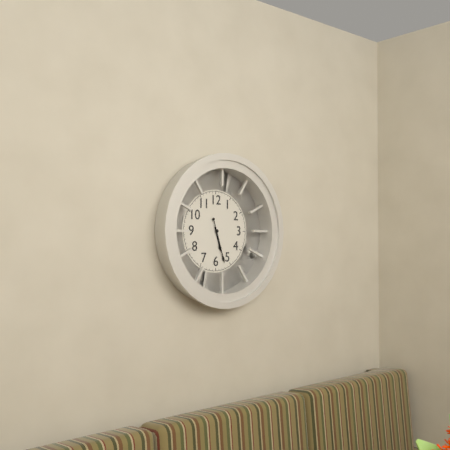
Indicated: 5 h 27 min
